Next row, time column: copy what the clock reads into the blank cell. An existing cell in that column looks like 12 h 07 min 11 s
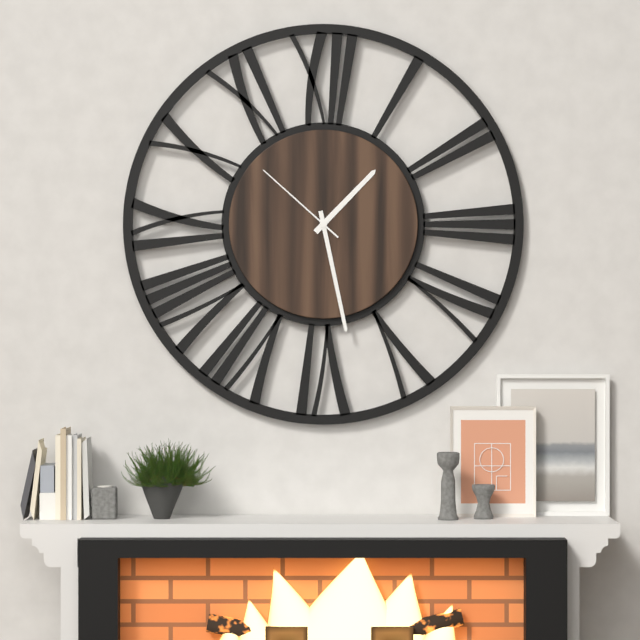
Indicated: 1 h 28 min 52 s
